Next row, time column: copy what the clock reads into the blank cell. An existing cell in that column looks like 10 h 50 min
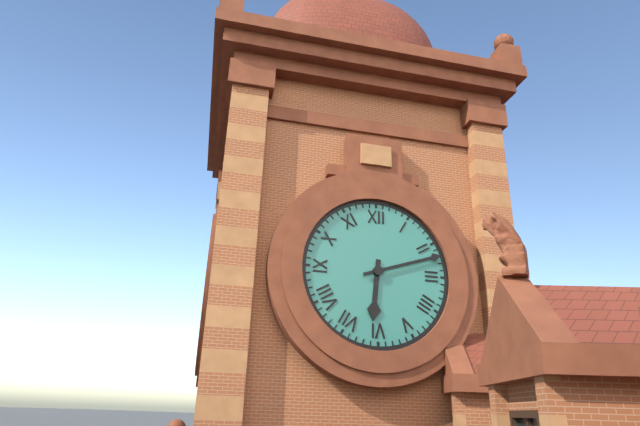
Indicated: 6 h 12 min
